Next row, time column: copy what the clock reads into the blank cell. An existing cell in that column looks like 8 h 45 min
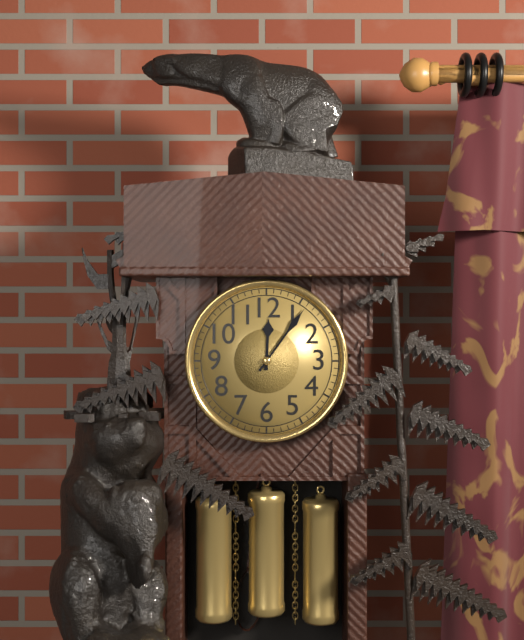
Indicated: 12 h 06 min
